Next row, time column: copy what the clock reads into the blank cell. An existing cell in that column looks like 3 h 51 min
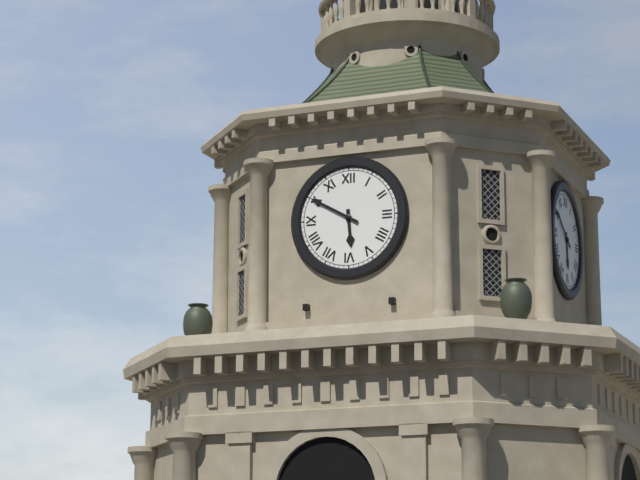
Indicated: 5 h 50 min
